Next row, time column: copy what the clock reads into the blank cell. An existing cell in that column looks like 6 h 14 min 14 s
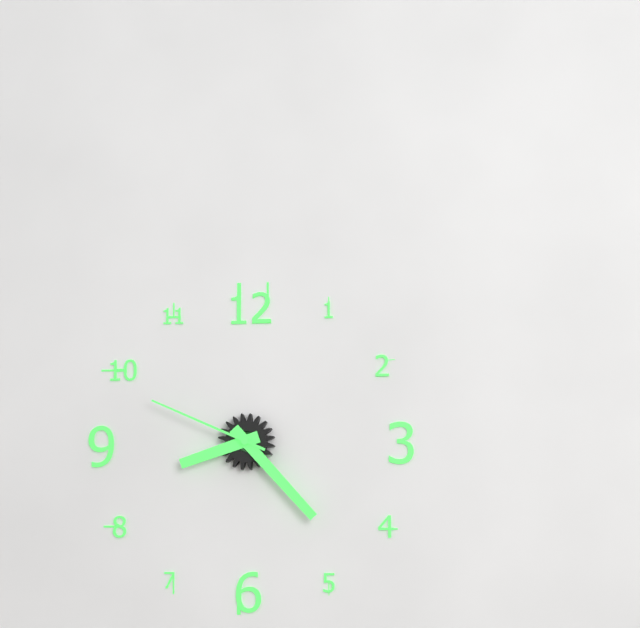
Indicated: 8 h 23 min 49 s
